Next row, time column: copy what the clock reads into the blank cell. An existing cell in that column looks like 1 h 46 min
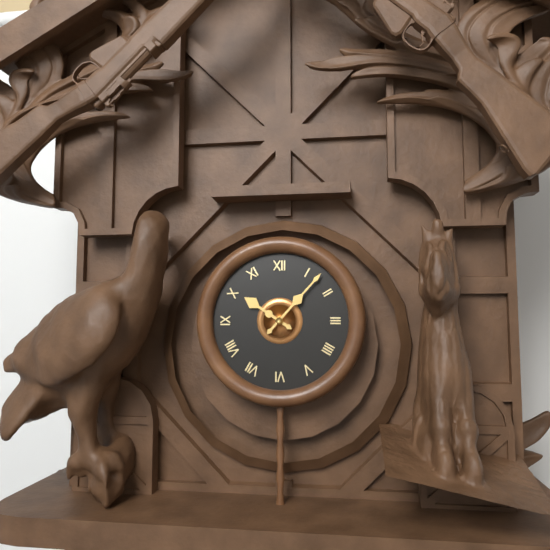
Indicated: 10 h 07 min
